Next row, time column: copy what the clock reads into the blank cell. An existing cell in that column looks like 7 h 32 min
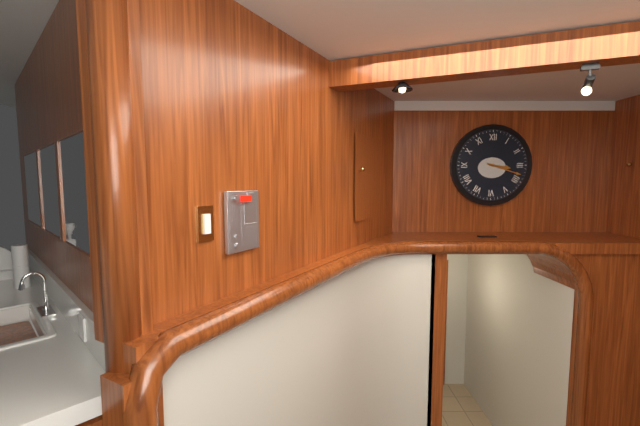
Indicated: 3 h 18 min
